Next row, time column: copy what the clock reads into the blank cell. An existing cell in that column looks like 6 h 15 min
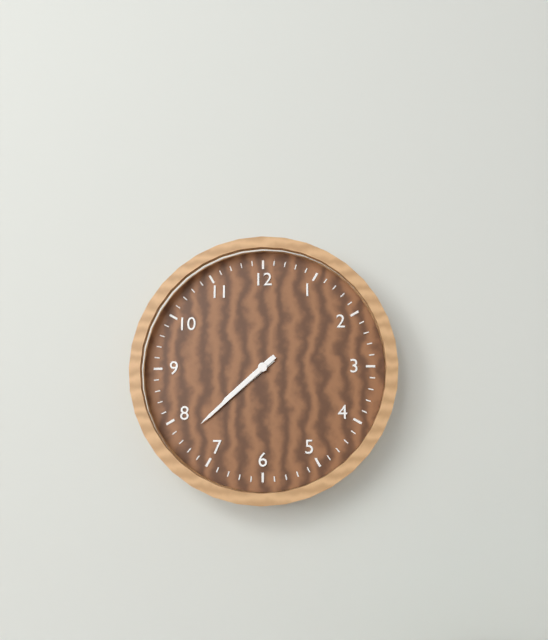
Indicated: 7 h 38 min
